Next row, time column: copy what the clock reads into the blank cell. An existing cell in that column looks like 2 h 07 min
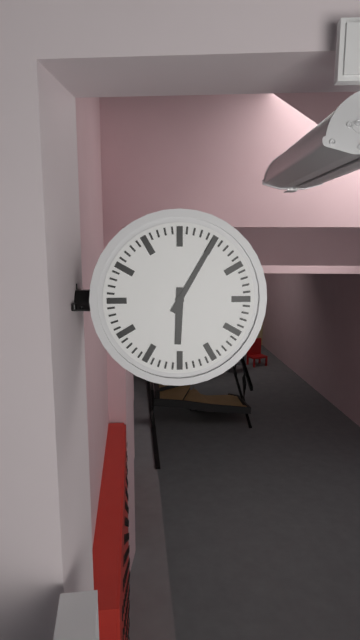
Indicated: 6 h 05 min
